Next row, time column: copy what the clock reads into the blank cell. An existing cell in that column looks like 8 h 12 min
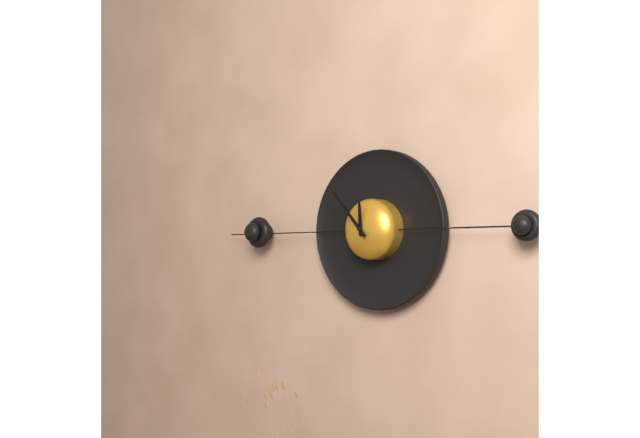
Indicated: 11 h 53 min
